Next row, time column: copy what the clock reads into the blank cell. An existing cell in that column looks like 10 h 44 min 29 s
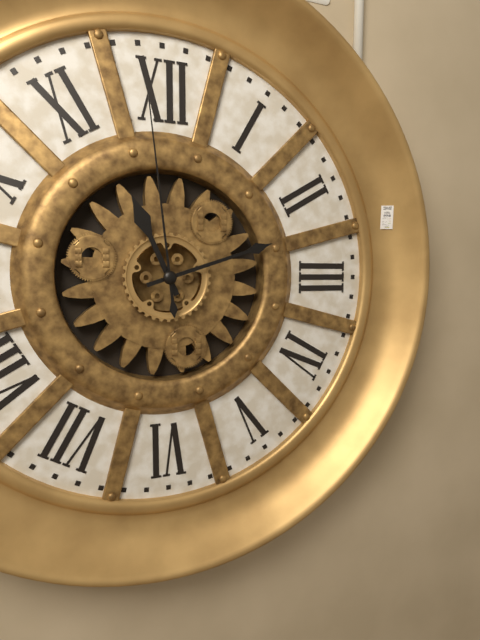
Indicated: 11 h 12 min 59 s
